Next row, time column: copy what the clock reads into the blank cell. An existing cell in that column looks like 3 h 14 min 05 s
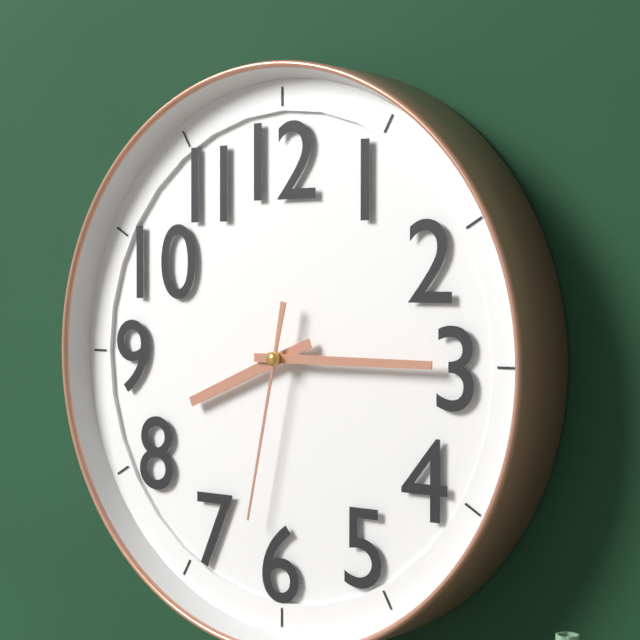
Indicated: 8 h 15 min 32 s
